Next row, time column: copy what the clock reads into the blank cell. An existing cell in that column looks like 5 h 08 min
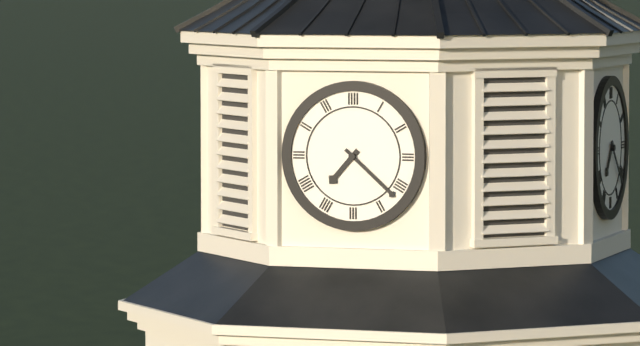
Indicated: 7 h 22 min
